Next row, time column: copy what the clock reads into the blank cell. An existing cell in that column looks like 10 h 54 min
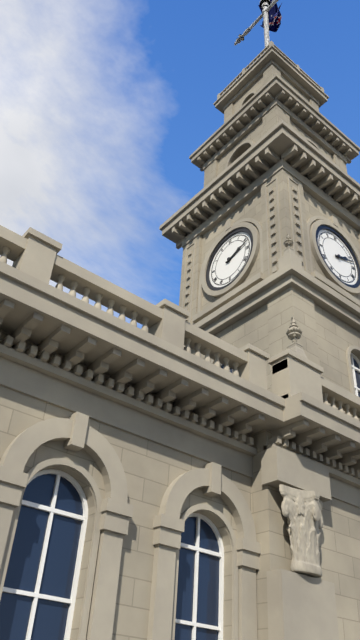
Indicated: 2 h 12 min
